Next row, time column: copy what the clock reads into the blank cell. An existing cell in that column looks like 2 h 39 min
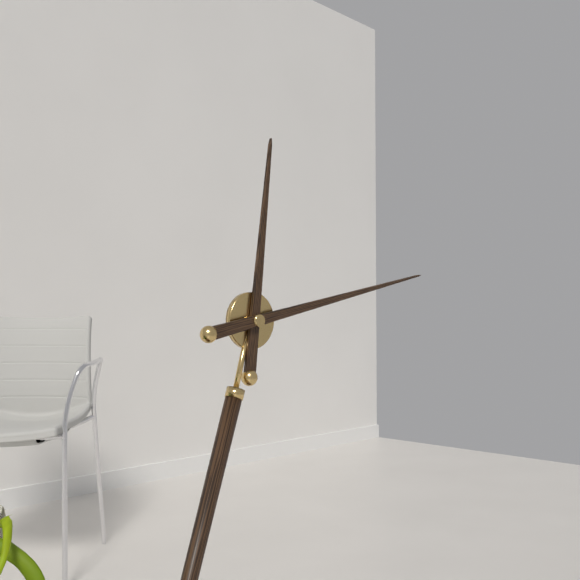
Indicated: 12 h 13 min
